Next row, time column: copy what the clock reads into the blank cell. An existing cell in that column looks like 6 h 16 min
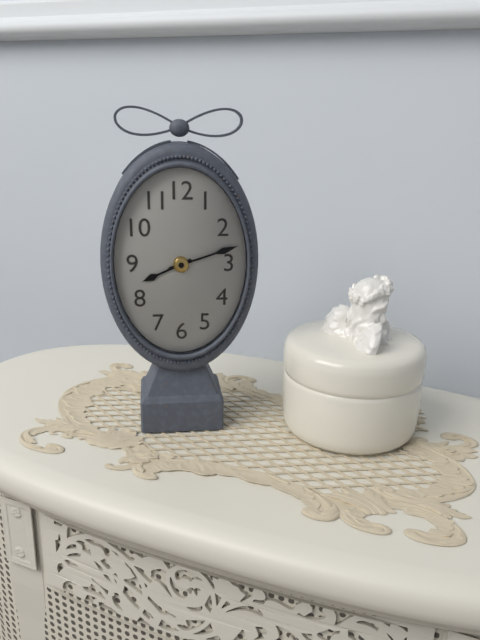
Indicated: 8 h 12 min
